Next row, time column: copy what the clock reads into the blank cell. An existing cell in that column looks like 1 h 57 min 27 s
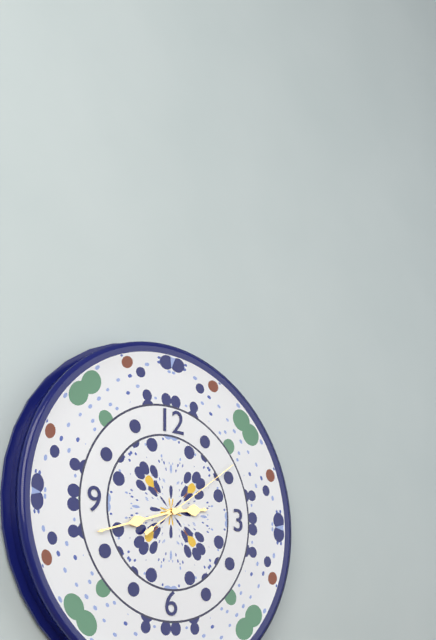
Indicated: 2 h 42 min 09 s
